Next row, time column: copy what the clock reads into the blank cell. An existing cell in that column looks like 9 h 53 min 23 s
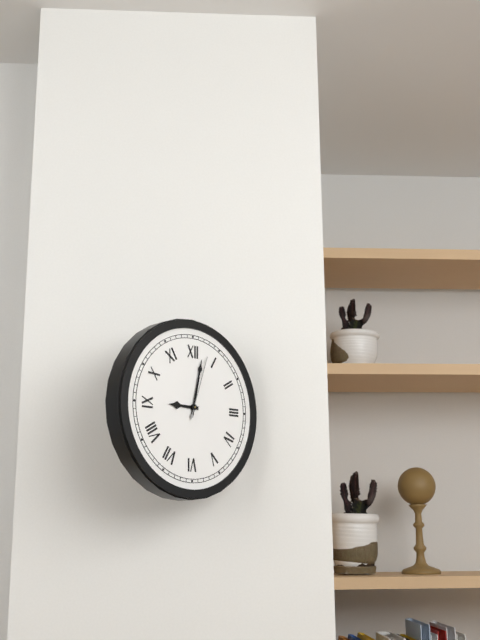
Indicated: 9 h 02 min 03 s
